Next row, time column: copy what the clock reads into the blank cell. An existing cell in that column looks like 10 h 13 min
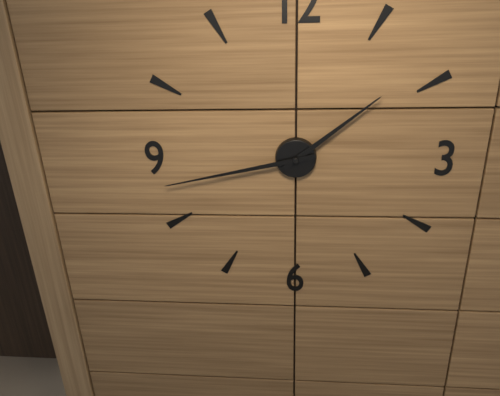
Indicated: 1 h 43 min
